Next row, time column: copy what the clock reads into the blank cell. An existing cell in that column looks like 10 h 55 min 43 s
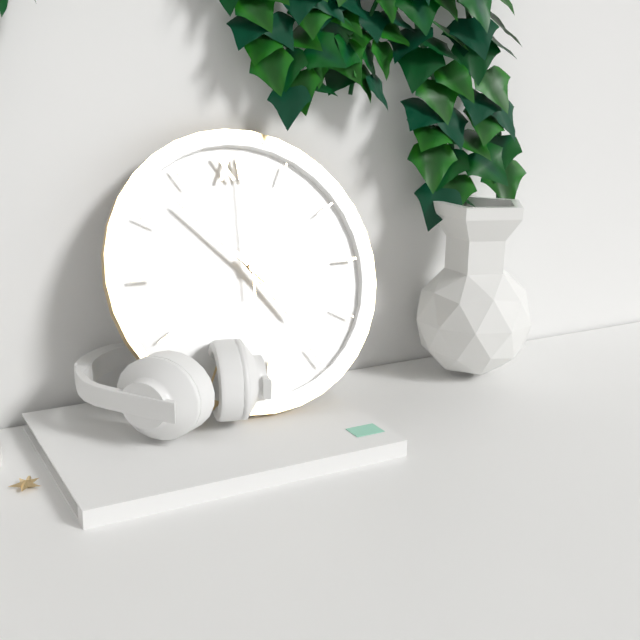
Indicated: 4 h 53 min 01 s
